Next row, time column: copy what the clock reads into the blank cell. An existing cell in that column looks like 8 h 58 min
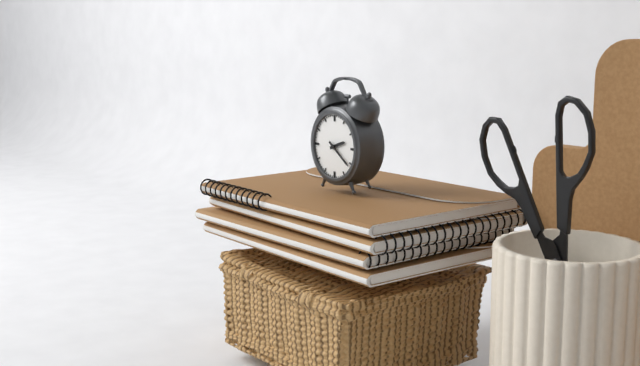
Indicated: 2 h 21 min
